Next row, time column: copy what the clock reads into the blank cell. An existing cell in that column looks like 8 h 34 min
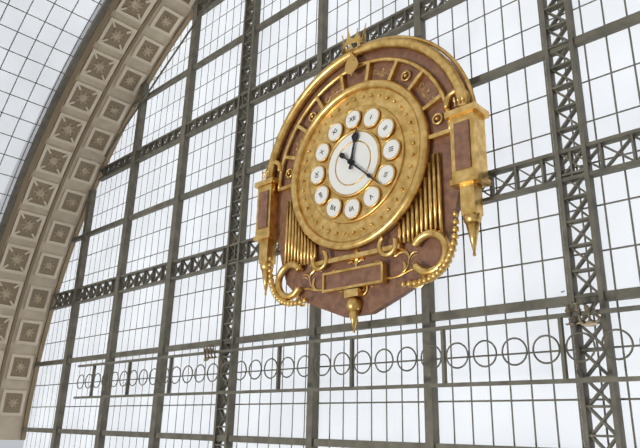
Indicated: 12 h 22 min
